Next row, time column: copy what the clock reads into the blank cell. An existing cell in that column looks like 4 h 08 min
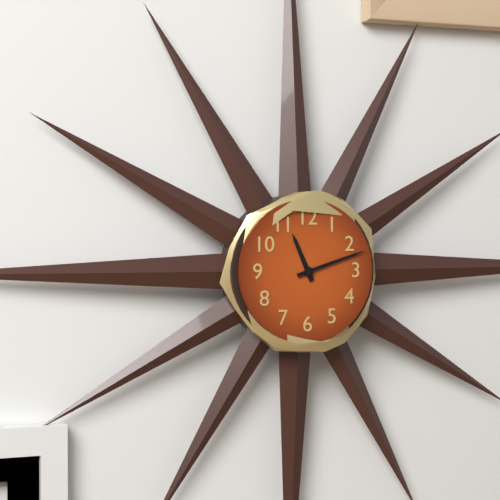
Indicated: 11 h 12 min
